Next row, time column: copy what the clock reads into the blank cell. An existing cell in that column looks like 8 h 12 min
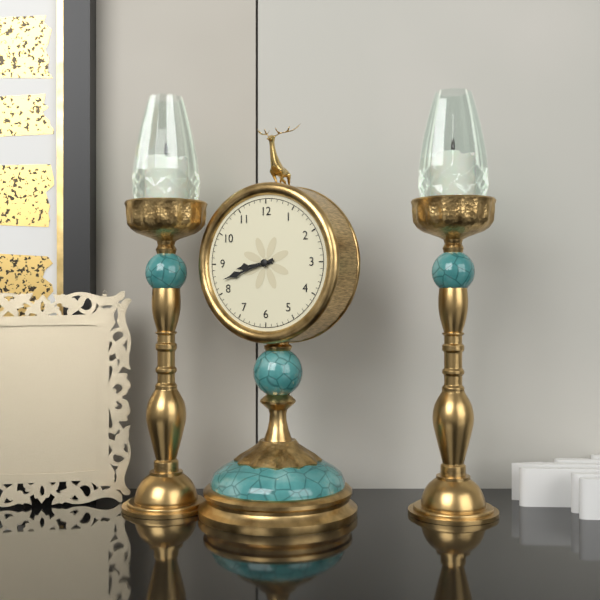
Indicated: 8 h 42 min
